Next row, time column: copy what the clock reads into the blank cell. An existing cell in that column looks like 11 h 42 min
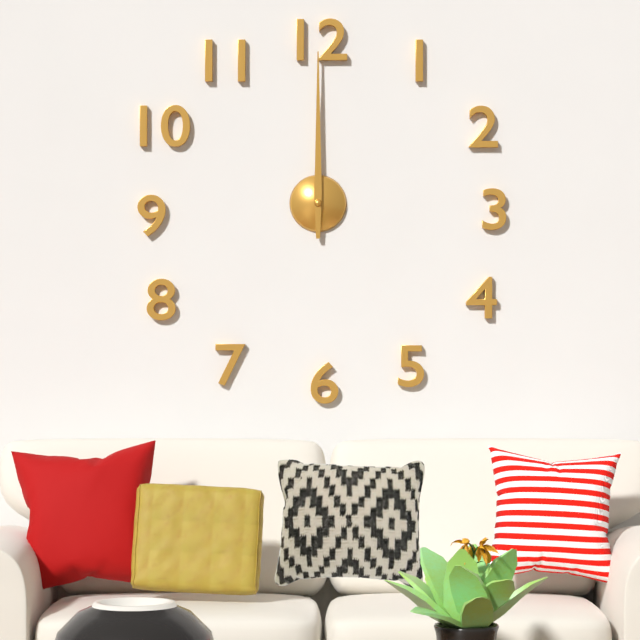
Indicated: 12 h 00 min
